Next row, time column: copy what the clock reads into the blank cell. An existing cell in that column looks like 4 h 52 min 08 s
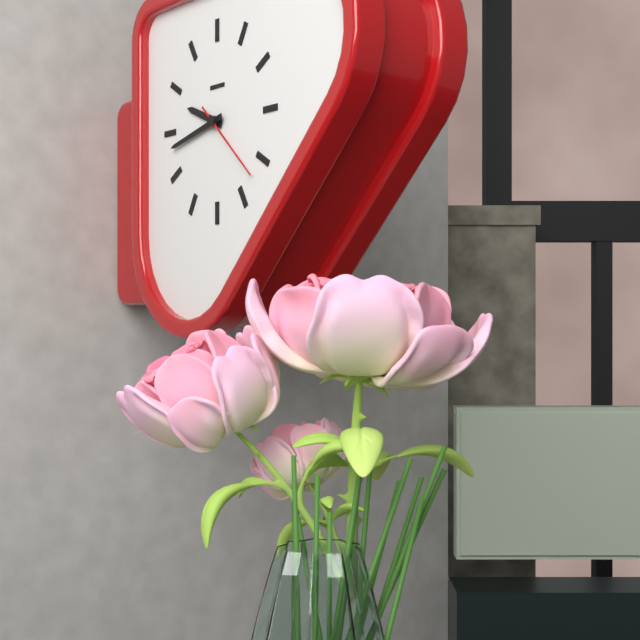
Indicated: 9 h 43 min 22 s
